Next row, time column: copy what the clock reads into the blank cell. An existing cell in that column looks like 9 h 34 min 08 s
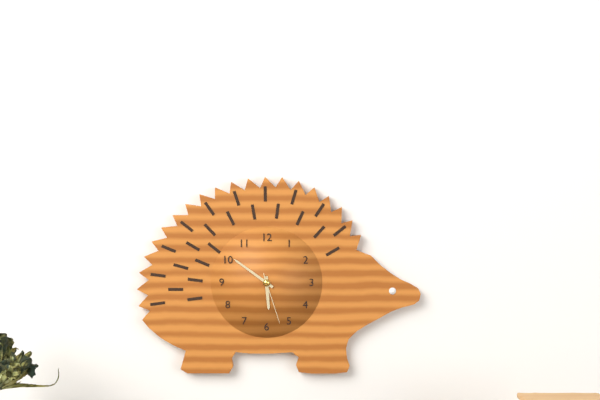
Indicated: 5 h 51 min 27 s
